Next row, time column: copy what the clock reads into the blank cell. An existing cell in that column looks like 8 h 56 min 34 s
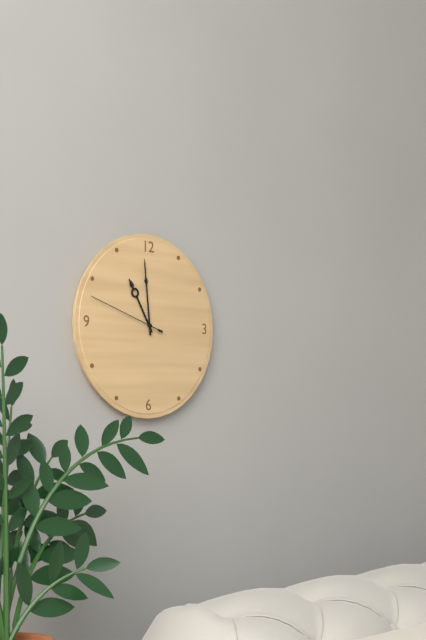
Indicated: 10 h 59 min 48 s
